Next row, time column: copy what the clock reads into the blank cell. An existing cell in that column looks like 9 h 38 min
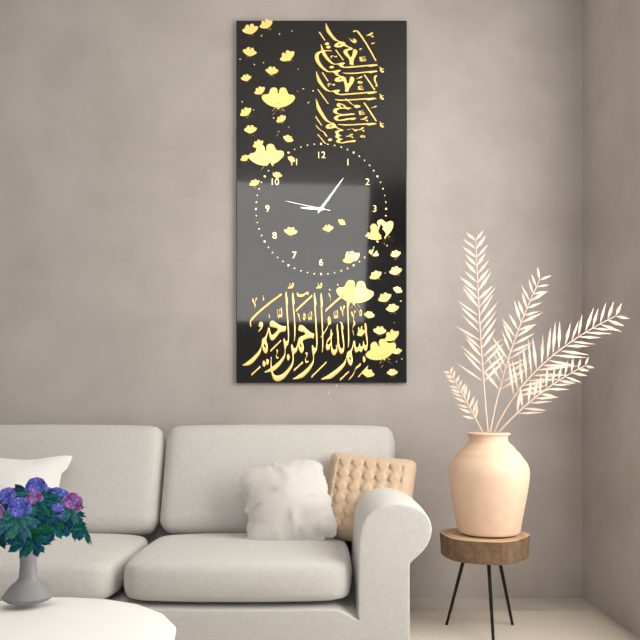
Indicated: 9 h 06 min
